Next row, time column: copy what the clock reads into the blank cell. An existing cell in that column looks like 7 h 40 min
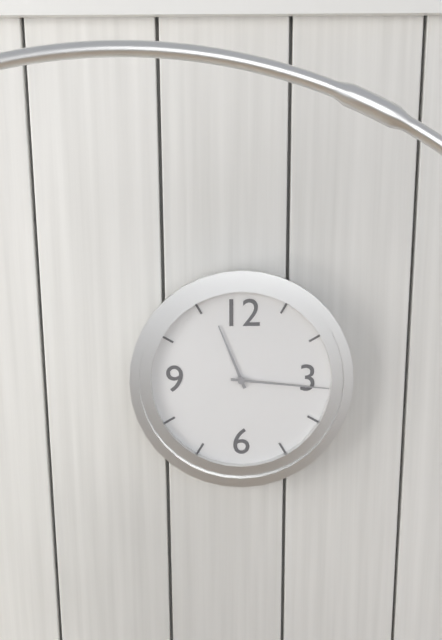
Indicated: 11 h 16 min
